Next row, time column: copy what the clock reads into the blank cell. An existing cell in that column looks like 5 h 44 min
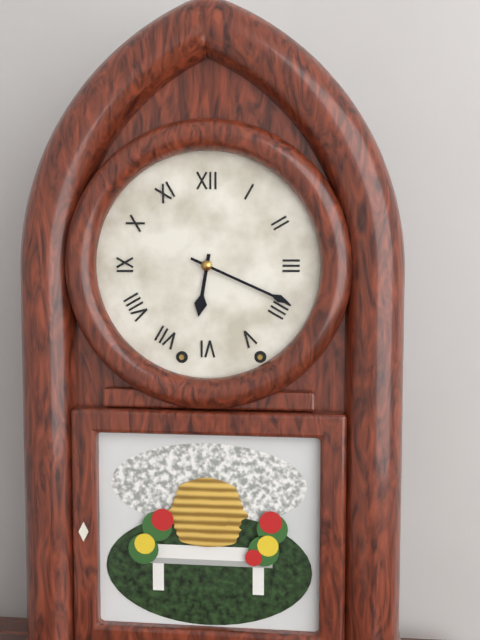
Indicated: 6 h 19 min
